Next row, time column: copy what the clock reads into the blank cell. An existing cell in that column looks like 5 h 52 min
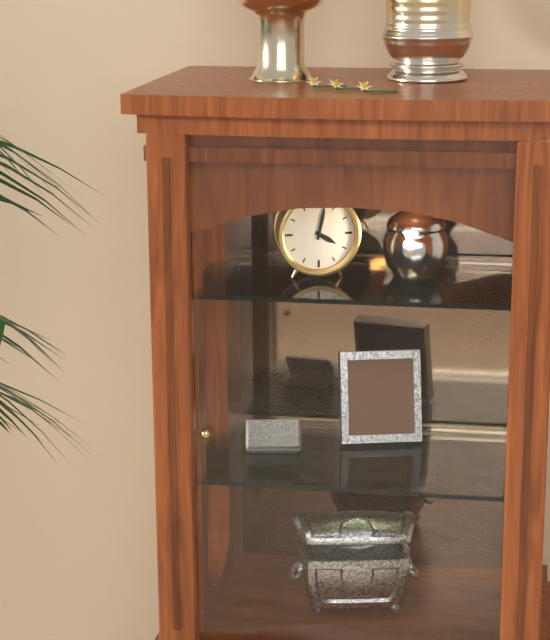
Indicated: 4 h 02 min
